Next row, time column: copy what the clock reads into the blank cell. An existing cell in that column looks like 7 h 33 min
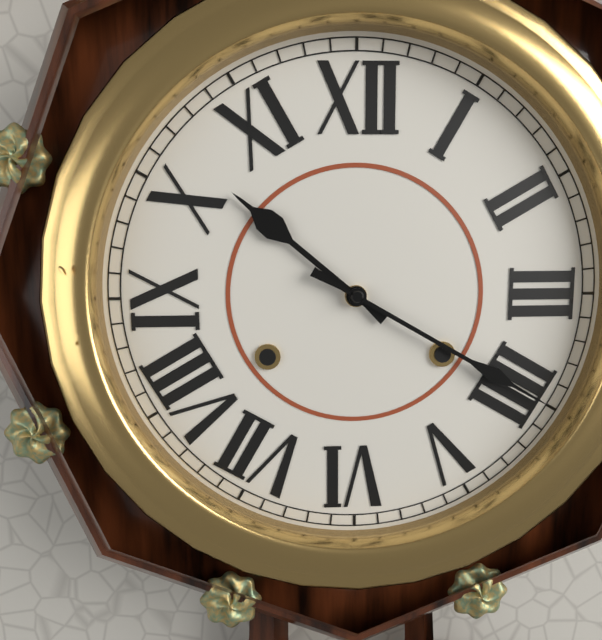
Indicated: 10 h 20 min
